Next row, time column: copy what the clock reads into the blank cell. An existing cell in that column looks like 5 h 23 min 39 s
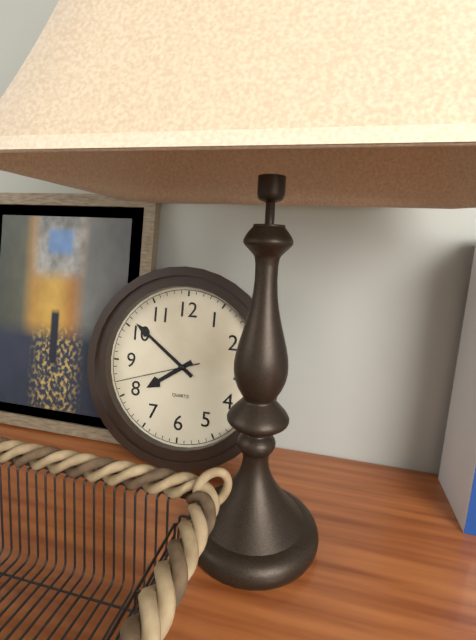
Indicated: 7 h 51 min 42 s
